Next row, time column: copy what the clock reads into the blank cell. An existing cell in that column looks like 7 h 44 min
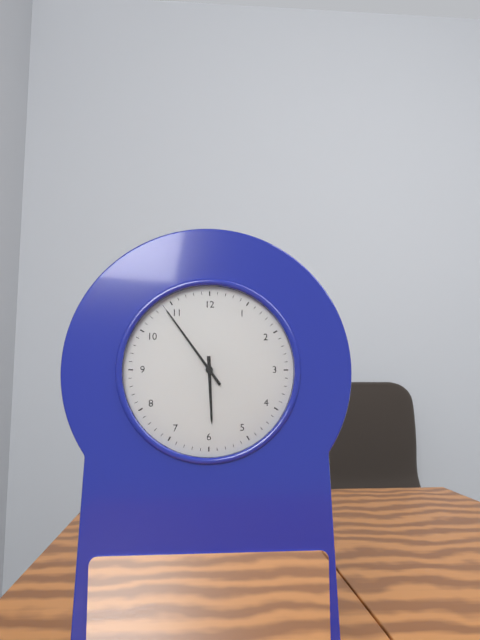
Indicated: 5 h 54 min
